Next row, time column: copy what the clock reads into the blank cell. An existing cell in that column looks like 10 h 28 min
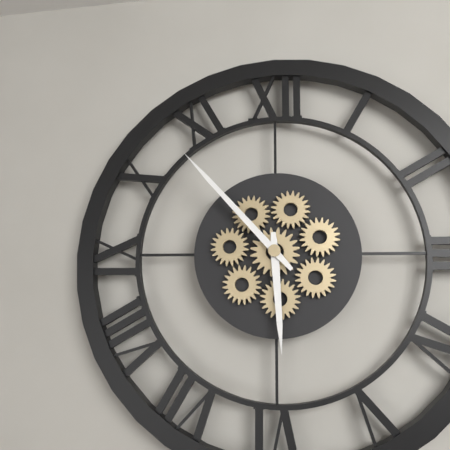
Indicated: 5 h 53 min
